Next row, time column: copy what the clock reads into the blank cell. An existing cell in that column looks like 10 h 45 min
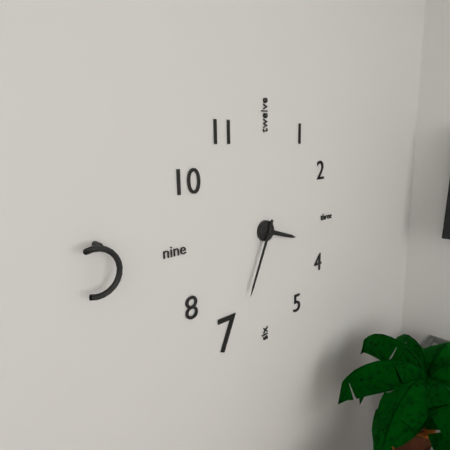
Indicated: 3 h 34 min
